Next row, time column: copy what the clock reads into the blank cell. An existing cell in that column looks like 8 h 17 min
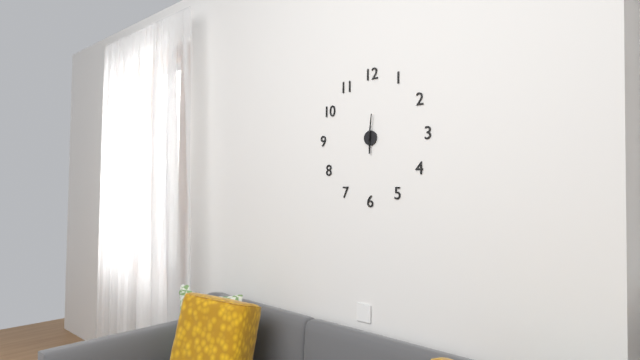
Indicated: 6 h 01 min
